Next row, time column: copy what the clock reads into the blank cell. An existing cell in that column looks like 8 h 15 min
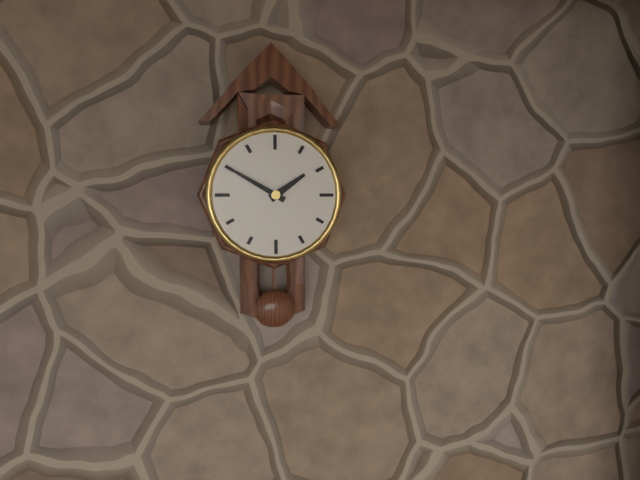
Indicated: 1 h 50 min
